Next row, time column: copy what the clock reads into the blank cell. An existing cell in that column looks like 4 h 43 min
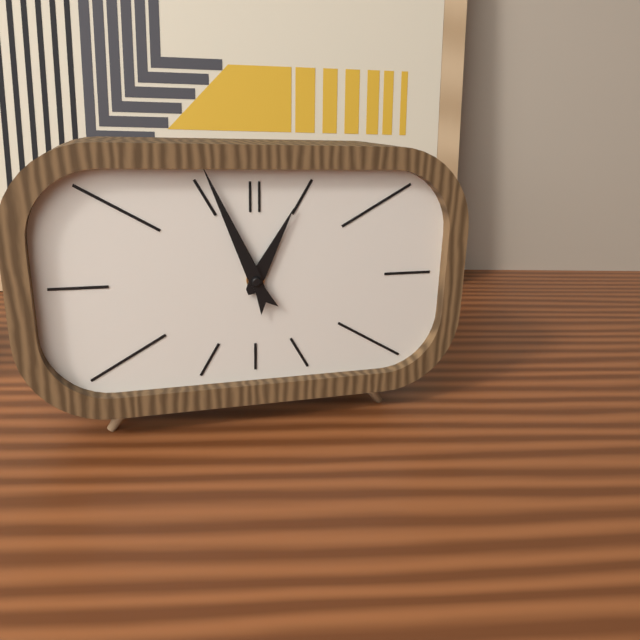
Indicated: 12 h 56 min
